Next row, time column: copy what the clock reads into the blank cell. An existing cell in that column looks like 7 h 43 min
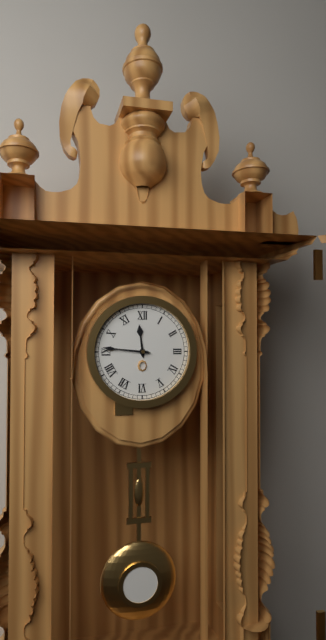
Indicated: 11 h 46 min
